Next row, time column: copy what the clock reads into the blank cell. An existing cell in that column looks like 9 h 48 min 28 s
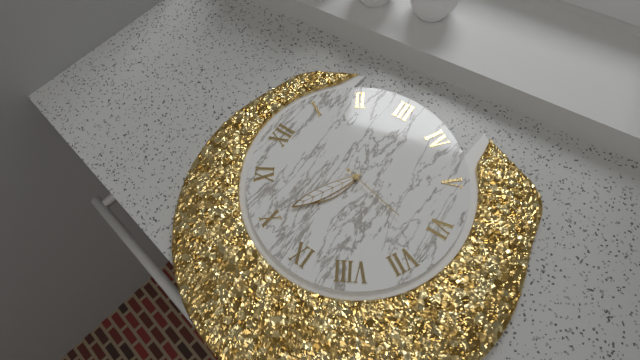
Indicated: 9 h 50 min 32 s
